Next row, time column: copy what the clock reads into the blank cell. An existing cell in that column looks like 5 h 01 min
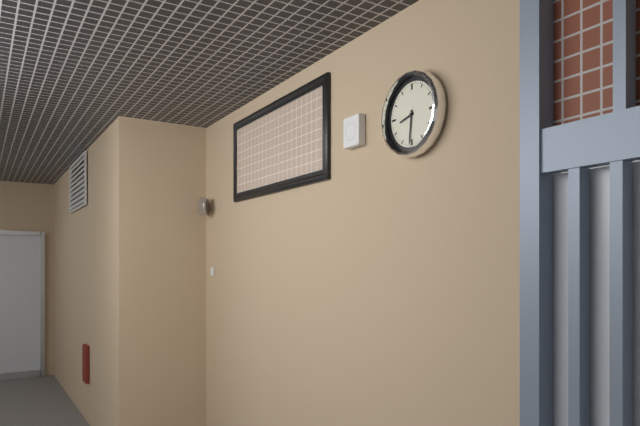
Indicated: 8 h 31 min
